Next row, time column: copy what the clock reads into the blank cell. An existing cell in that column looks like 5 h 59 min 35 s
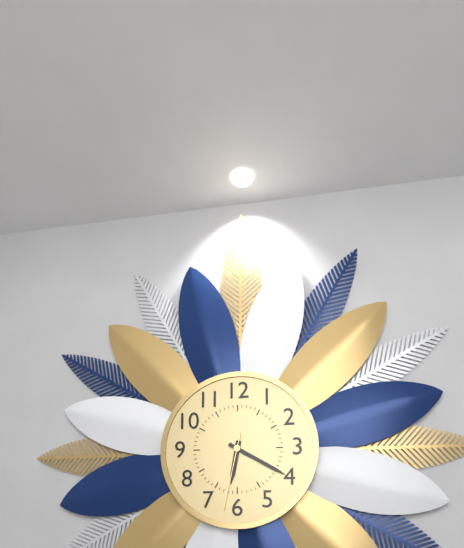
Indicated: 6 h 20 min 32 s
